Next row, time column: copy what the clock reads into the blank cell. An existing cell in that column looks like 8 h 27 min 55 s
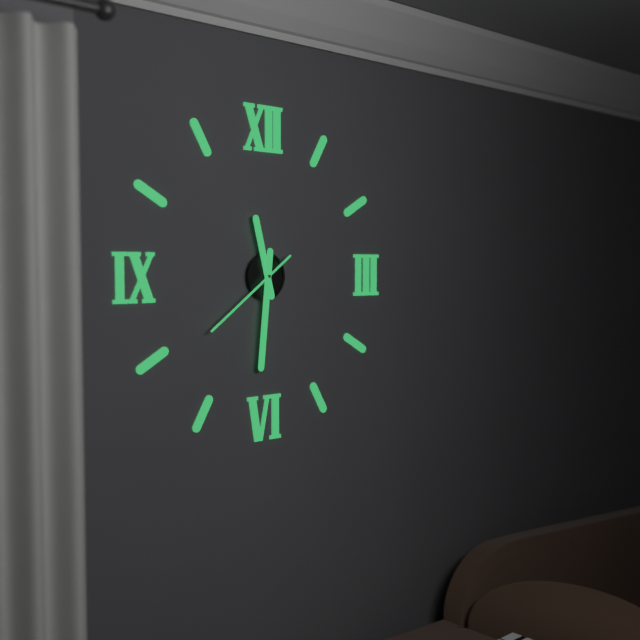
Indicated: 11 h 31 min 39 s
